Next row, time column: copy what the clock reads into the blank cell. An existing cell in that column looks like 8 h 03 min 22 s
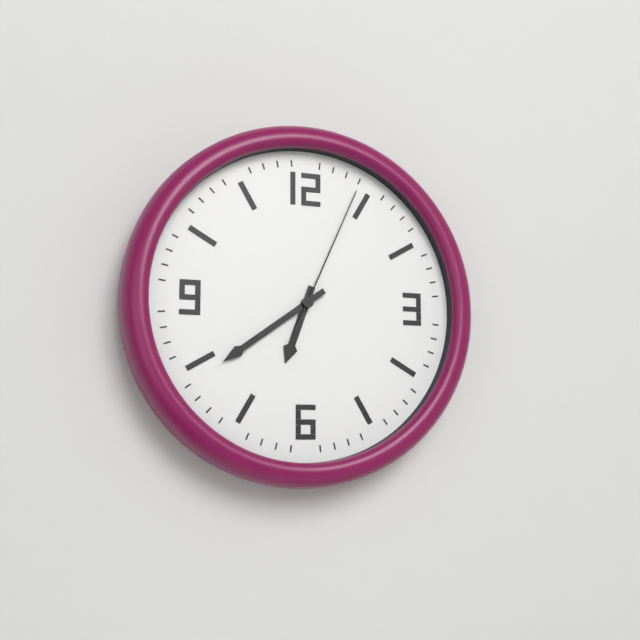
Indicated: 6 h 39 min 04 s
